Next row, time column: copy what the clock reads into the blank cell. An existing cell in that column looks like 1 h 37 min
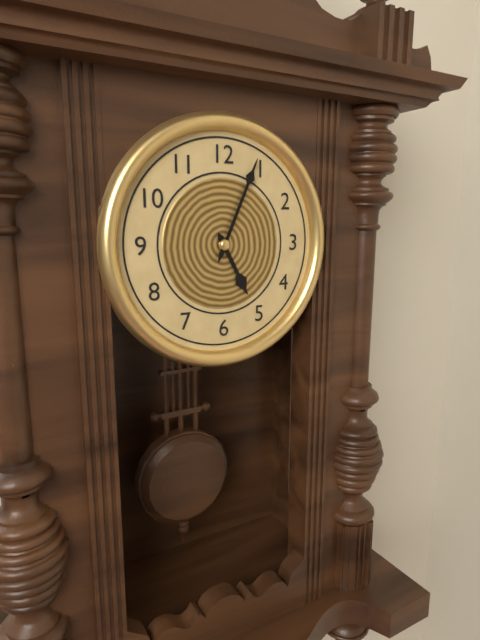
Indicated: 5 h 04 min
